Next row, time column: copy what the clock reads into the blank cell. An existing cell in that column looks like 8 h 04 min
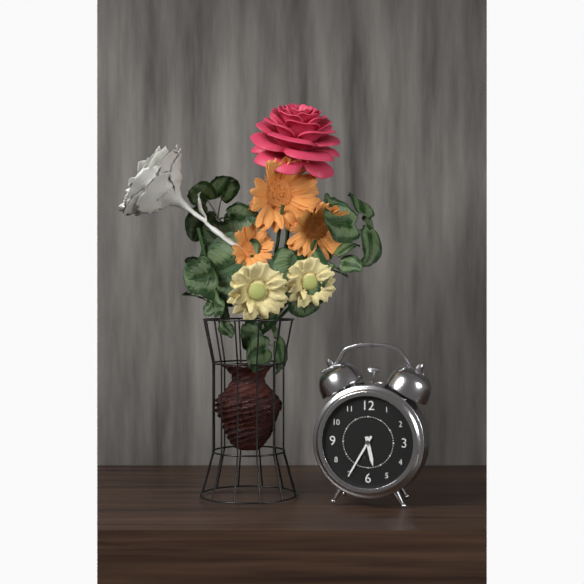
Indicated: 5 h 35 min
